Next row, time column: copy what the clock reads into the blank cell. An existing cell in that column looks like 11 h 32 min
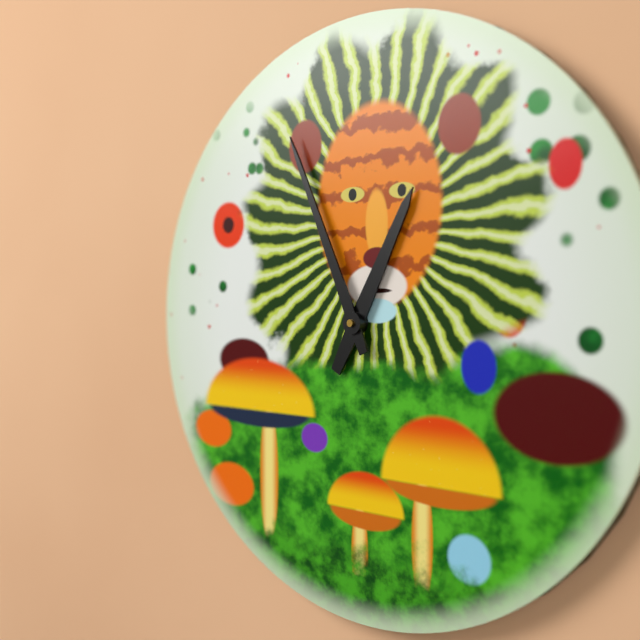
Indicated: 12 h 56 min
